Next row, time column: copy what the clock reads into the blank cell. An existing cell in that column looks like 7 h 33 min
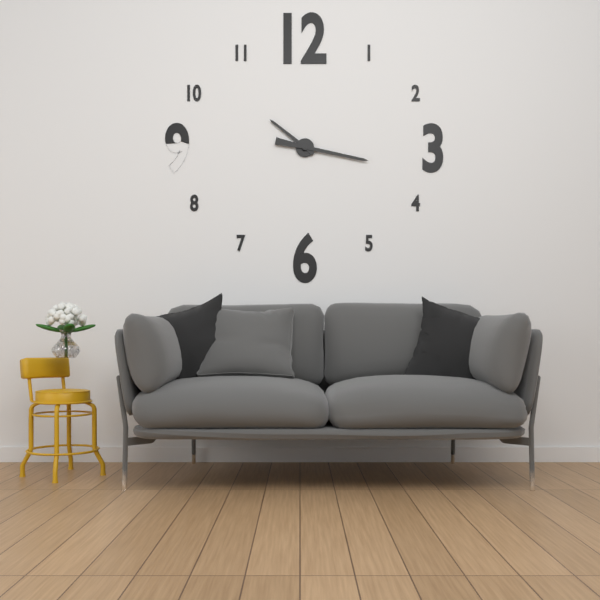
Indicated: 10 h 17 min
